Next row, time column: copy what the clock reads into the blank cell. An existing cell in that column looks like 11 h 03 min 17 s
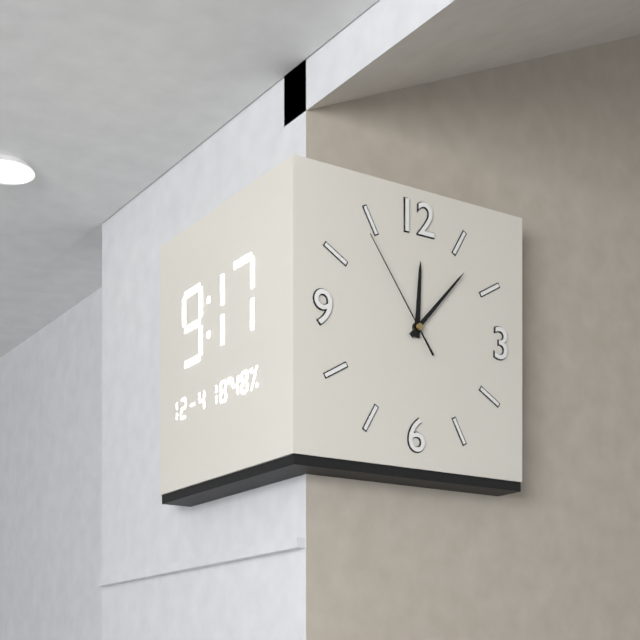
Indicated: 12 h 07 min 54 s
